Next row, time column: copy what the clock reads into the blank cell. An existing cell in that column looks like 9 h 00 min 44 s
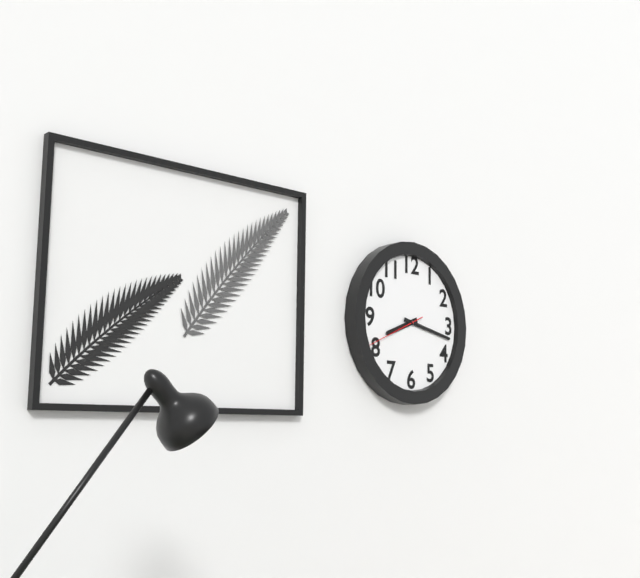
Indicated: 8 h 17 min 41 s
